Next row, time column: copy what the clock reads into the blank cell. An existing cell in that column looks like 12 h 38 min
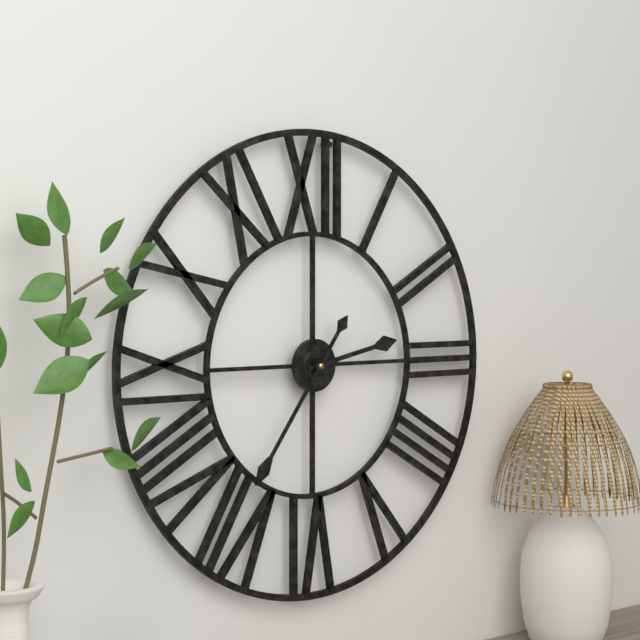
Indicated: 2 h 36 min
